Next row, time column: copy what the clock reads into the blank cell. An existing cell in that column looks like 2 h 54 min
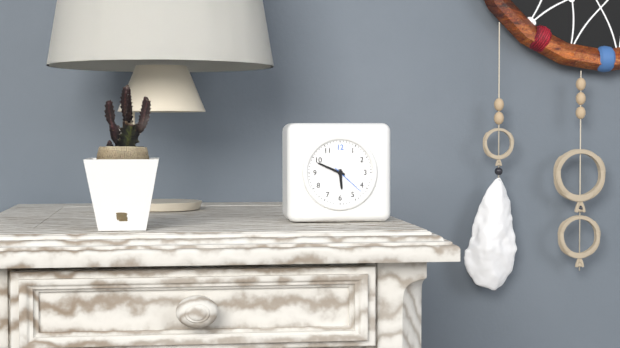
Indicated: 5 h 49 min
